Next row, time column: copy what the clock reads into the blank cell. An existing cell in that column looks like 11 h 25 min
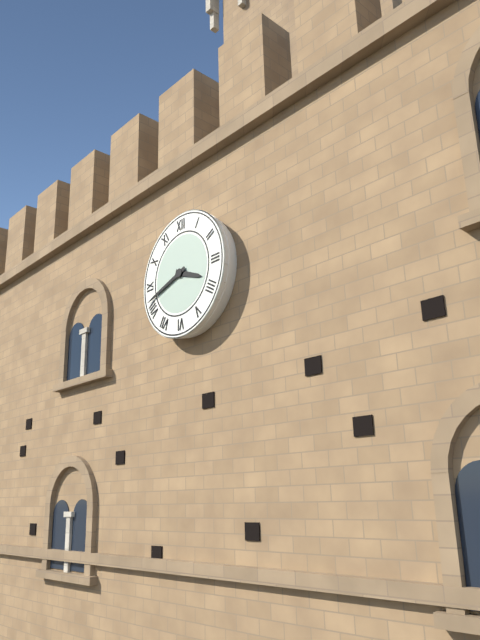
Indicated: 3 h 42 min
